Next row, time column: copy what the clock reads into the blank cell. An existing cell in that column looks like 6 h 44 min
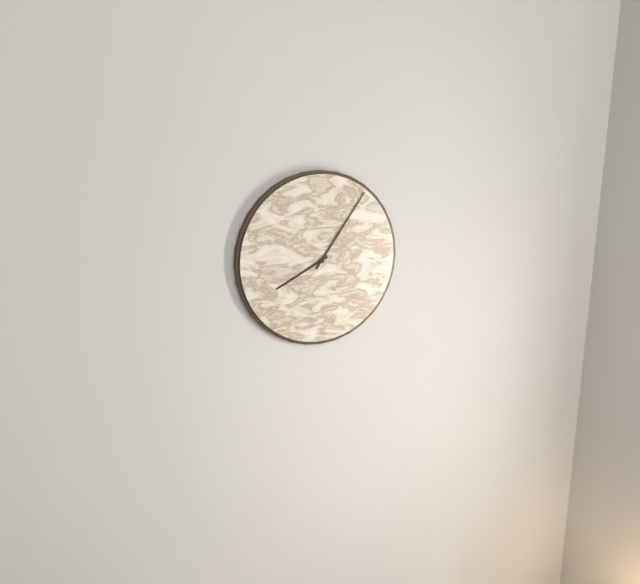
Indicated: 8 h 06 min
